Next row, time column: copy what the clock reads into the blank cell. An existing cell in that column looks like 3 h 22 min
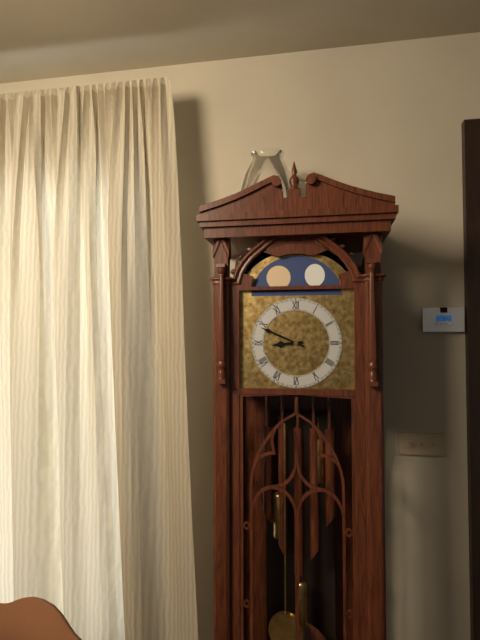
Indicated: 8 h 49 min
